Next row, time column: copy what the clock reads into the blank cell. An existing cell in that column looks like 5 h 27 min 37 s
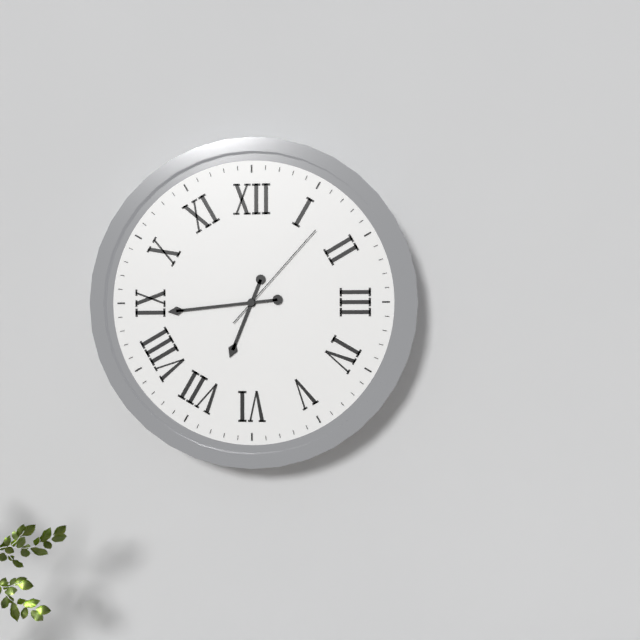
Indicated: 6 h 44 min 07 s
